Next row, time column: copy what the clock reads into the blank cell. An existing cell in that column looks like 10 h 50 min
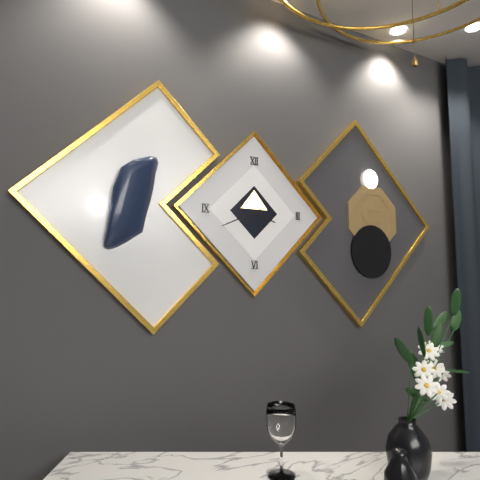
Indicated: 3 h 41 min
